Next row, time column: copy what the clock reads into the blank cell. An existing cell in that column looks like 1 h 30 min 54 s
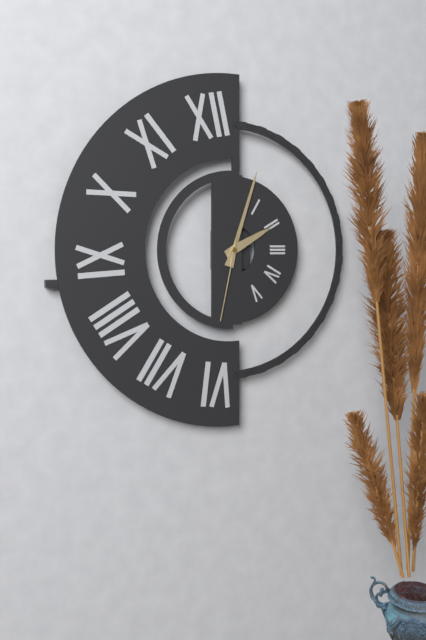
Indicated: 2 h 03 min 32 s
